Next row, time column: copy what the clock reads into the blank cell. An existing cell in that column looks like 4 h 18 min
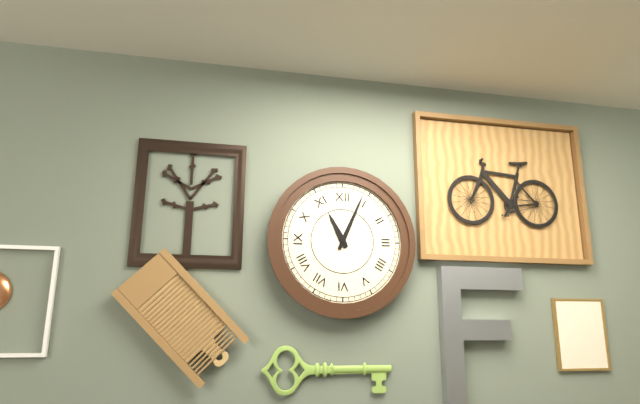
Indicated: 11 h 04 min
